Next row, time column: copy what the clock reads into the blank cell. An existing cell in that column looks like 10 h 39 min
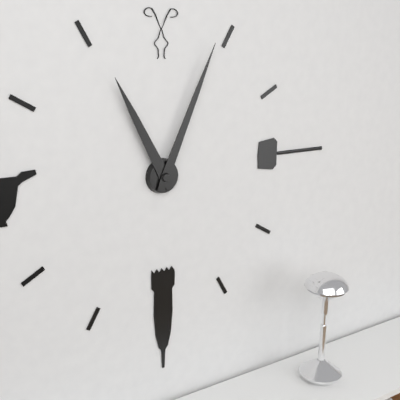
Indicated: 11 h 04 min
